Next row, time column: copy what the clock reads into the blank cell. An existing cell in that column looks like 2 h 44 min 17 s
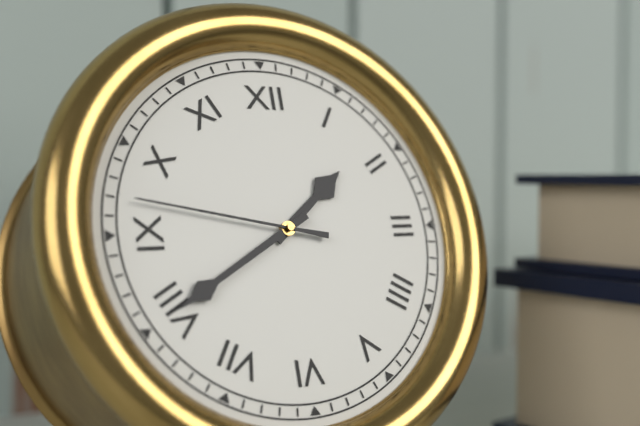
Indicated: 1 h 40 min 47 s
